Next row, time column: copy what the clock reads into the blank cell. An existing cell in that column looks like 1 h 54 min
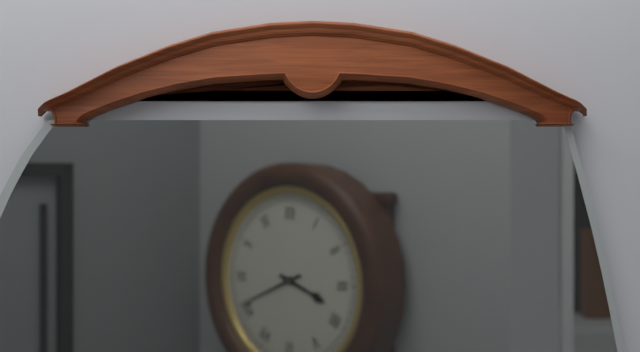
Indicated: 3 h 41 min
